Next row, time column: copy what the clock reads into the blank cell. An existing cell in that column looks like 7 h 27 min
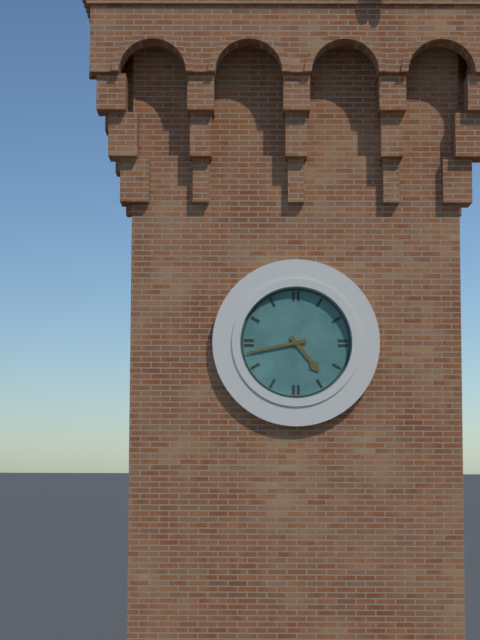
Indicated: 4 h 43 min
